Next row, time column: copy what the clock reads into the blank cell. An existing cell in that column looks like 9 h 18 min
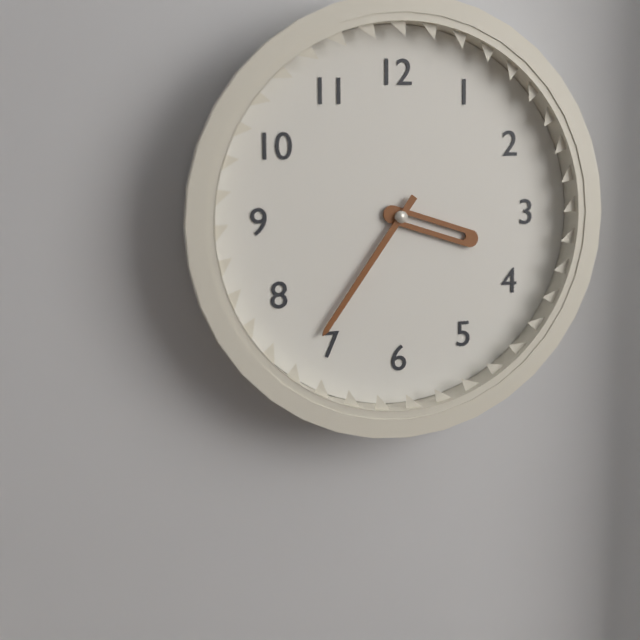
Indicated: 3 h 36 min
